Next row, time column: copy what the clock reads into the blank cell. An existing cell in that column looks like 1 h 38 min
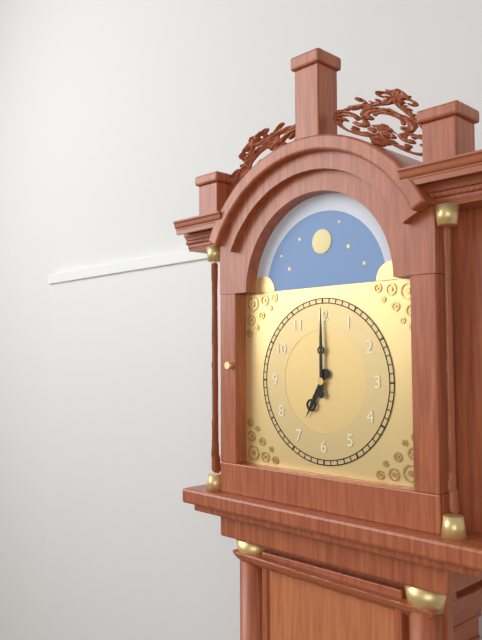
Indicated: 7 h 00 min
